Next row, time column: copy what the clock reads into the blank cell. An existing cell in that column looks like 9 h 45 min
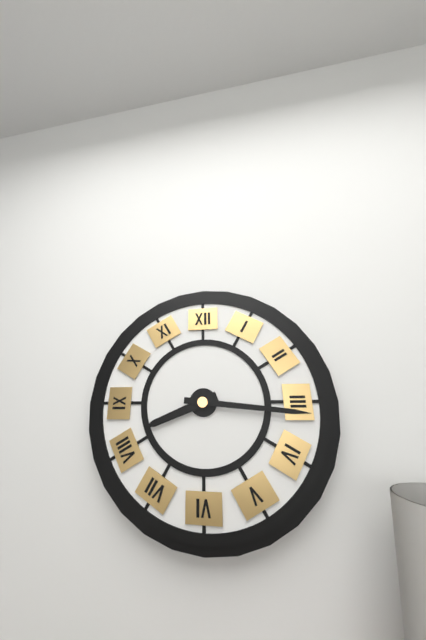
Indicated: 8 h 16 min
